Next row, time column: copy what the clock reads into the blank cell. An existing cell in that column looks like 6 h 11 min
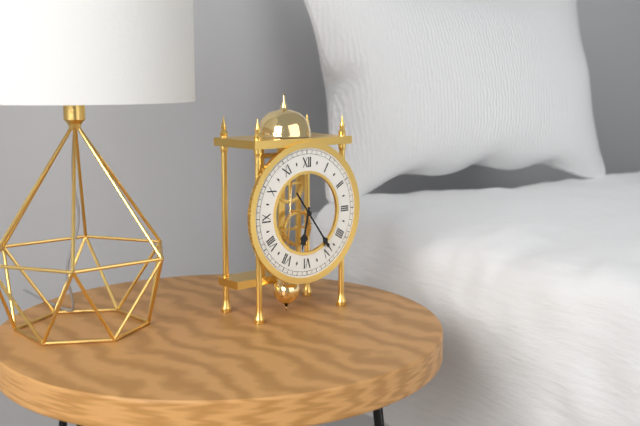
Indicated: 6 h 24 min
